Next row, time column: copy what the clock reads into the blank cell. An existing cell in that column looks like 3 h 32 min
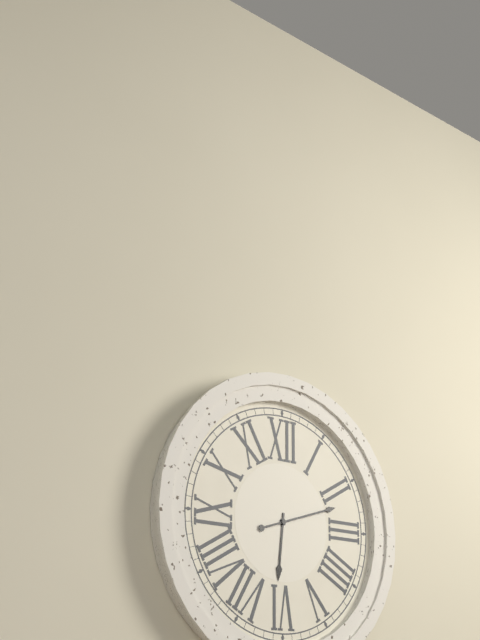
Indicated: 6 h 12 min
